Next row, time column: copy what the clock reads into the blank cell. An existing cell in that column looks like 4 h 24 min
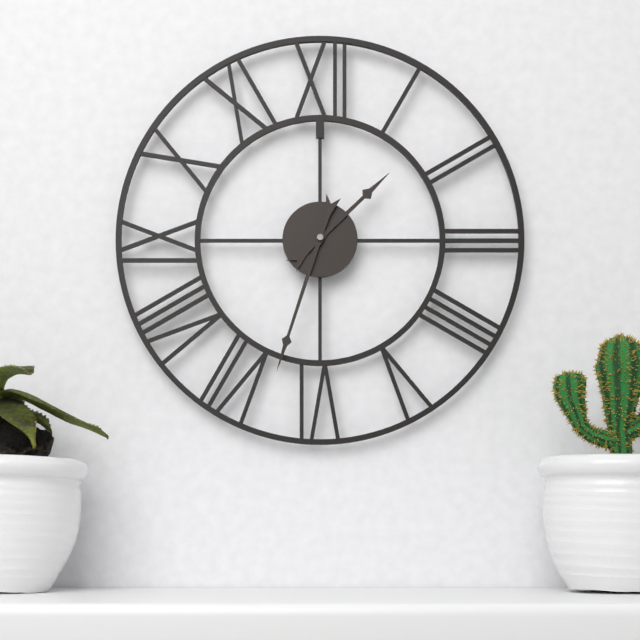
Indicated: 1 h 33 min
